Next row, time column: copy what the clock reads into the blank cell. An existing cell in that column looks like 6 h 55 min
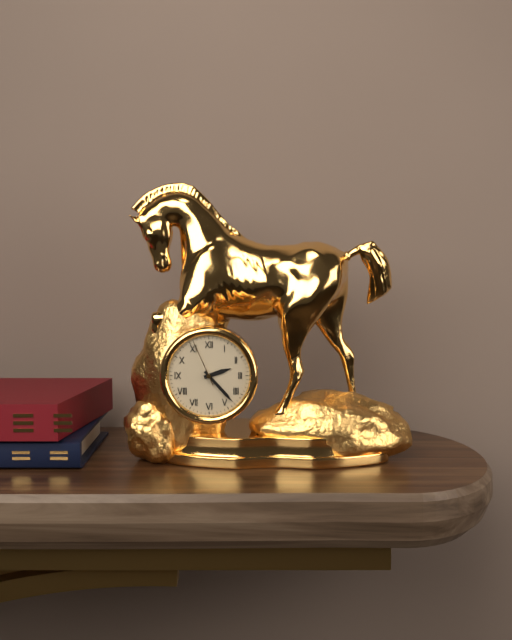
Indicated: 2 h 23 min
